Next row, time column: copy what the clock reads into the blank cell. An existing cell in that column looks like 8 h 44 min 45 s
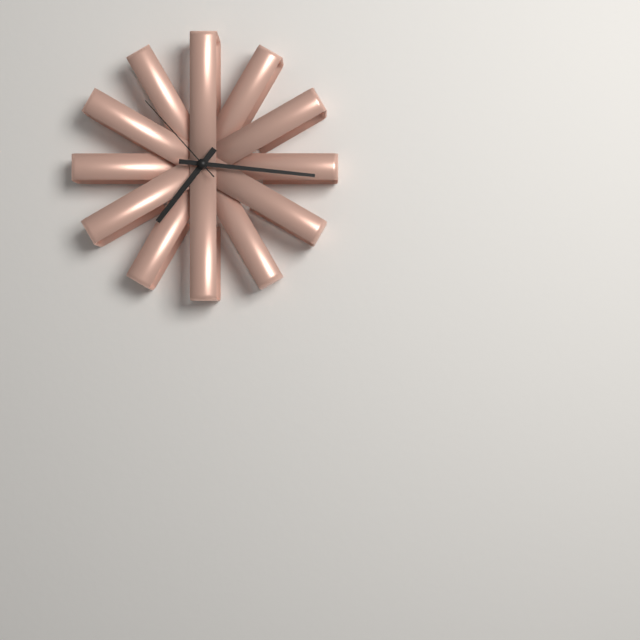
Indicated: 7 h 16 min 53 s
